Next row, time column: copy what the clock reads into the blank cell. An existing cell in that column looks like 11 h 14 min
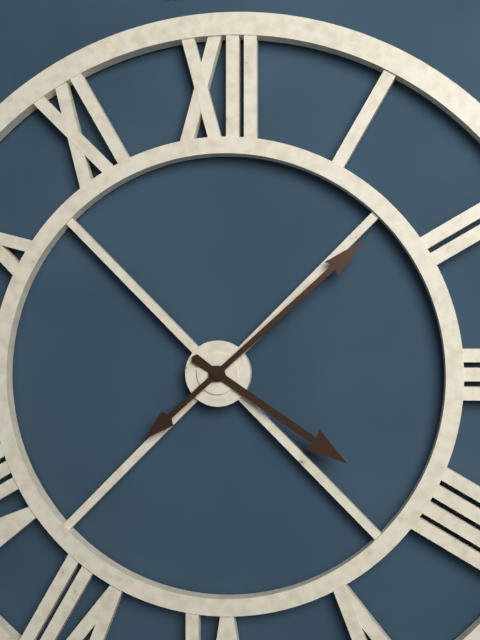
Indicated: 4 h 08 min
